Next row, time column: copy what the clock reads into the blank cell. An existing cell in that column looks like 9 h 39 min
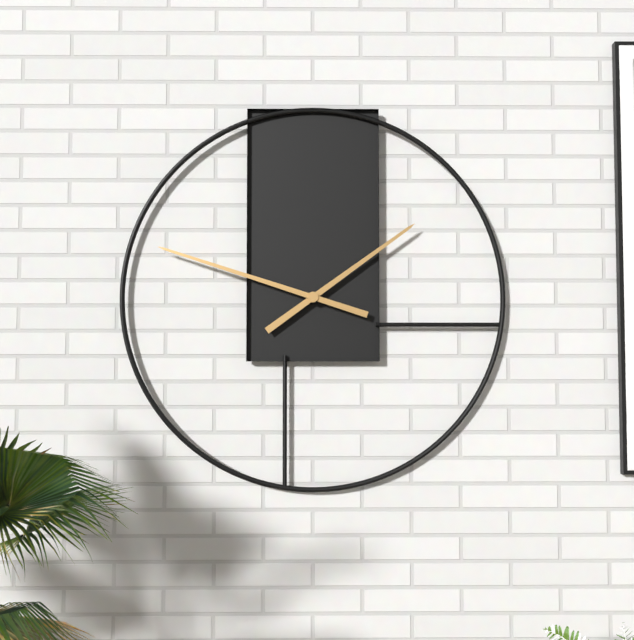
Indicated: 1 h 48 min
